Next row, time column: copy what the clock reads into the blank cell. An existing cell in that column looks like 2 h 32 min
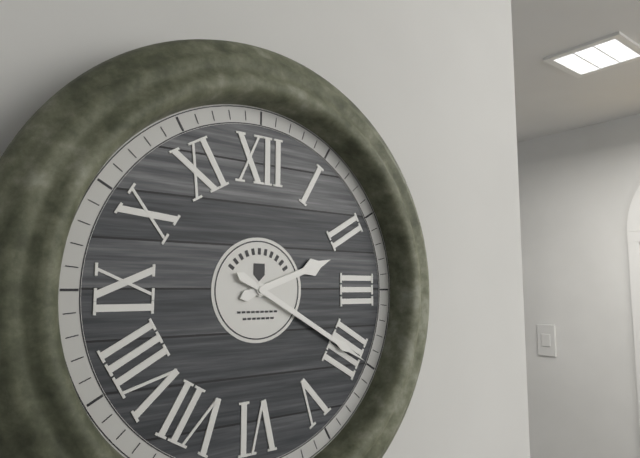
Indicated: 2 h 20 min
